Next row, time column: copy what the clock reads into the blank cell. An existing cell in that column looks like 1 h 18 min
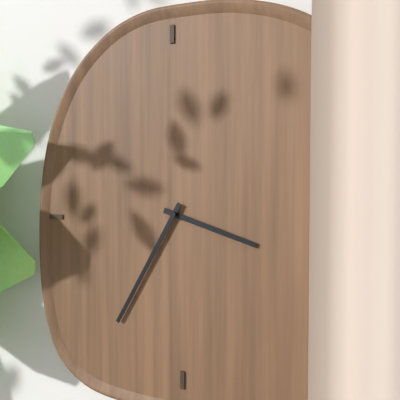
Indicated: 3 h 35 min
